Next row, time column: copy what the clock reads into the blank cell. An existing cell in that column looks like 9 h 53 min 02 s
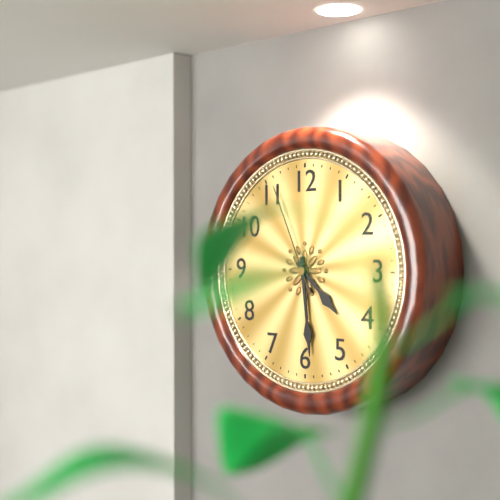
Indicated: 4 h 29 min 56 s
